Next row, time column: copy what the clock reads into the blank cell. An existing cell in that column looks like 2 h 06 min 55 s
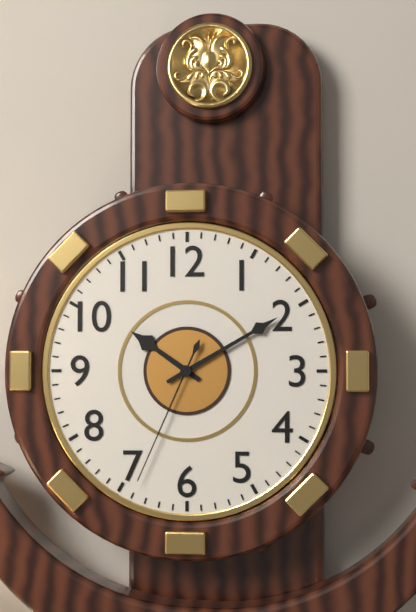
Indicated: 10 h 10 min 34 s
